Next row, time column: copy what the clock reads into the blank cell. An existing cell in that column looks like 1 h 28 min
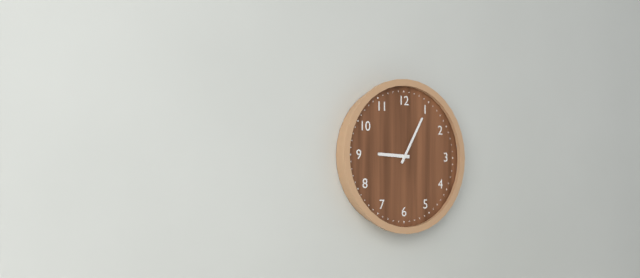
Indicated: 9 h 05 min
